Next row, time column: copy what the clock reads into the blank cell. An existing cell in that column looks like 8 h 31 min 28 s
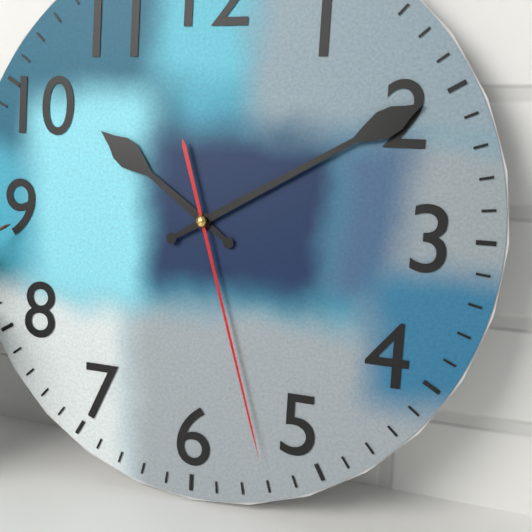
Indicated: 10 h 10 min 27 s
